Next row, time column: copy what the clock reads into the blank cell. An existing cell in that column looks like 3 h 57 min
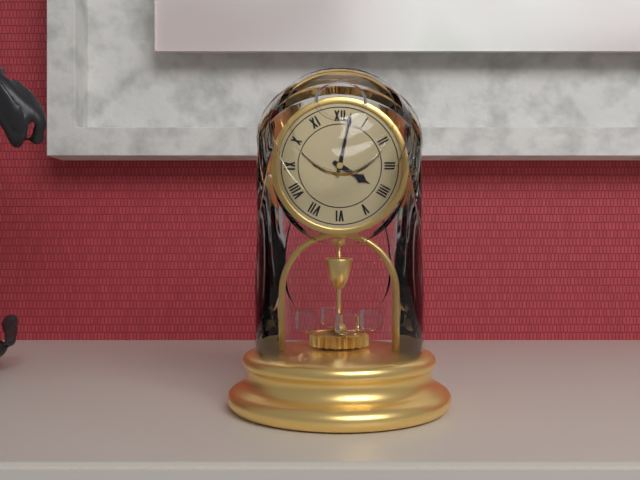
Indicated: 4 h 02 min
